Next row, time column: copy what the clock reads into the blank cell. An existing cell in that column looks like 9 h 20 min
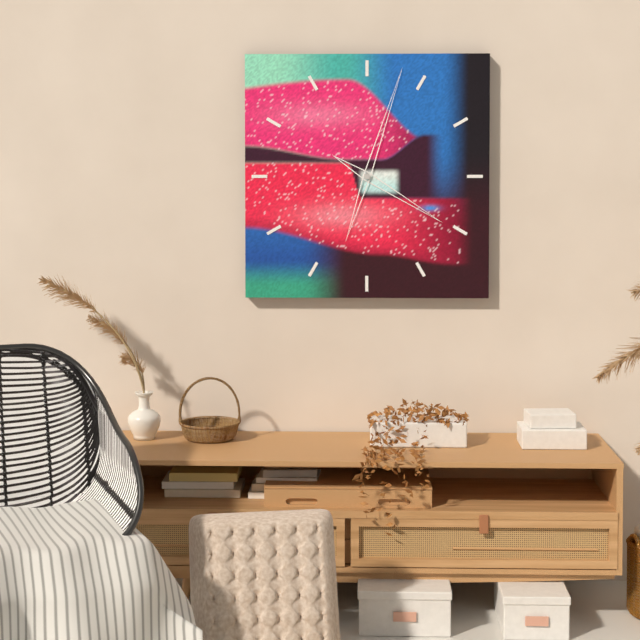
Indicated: 4 h 03 min
